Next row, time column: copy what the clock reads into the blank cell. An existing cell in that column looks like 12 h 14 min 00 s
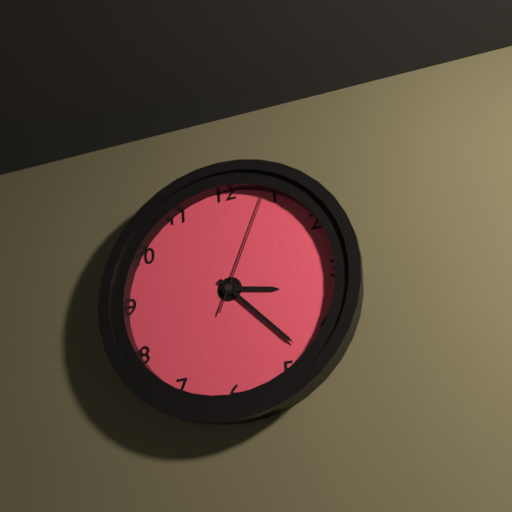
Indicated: 3 h 23 min 04 s
